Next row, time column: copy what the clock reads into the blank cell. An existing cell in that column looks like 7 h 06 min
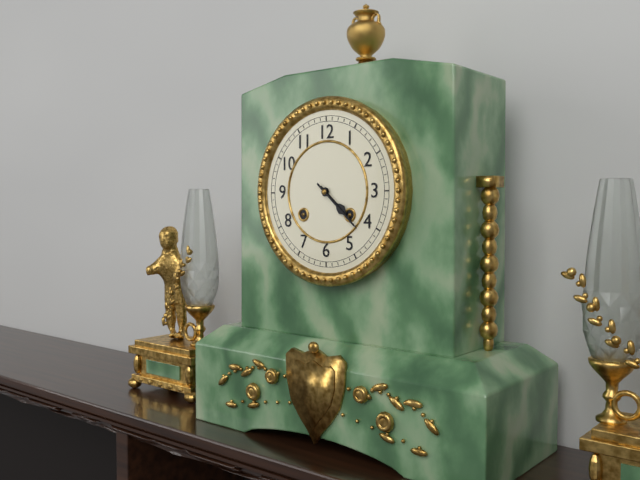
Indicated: 4 h 22 min
